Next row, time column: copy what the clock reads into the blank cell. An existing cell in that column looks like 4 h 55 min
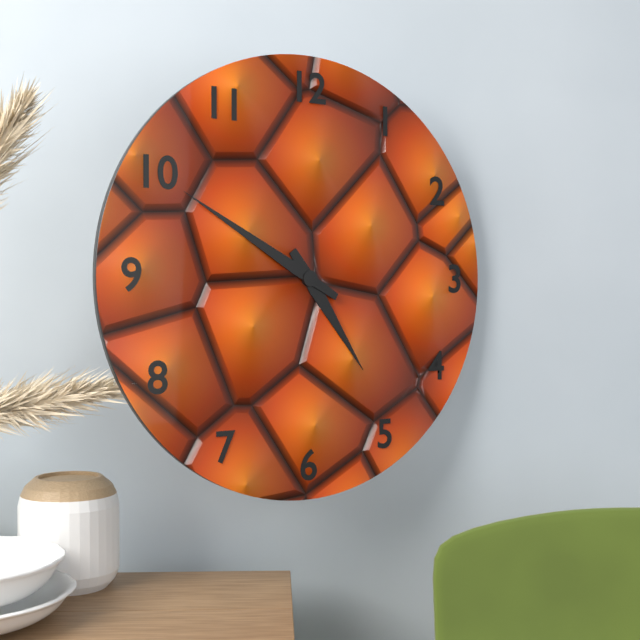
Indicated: 4 h 50 min
